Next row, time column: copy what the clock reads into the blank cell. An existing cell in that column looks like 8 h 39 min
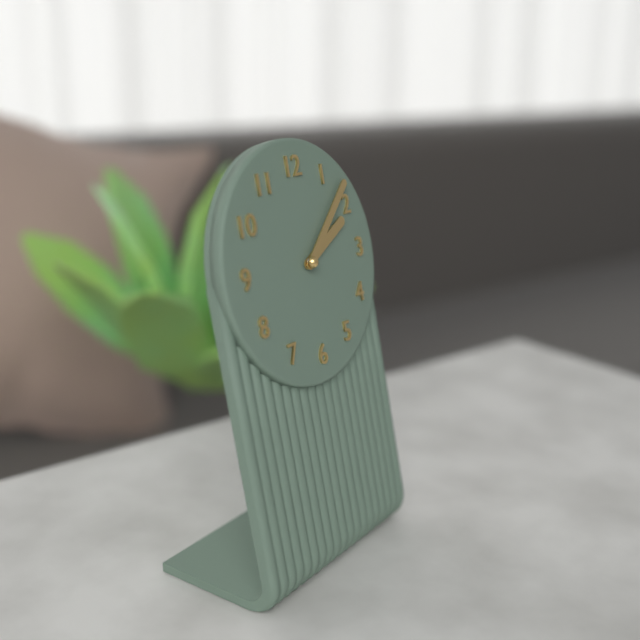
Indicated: 2 h 08 min
